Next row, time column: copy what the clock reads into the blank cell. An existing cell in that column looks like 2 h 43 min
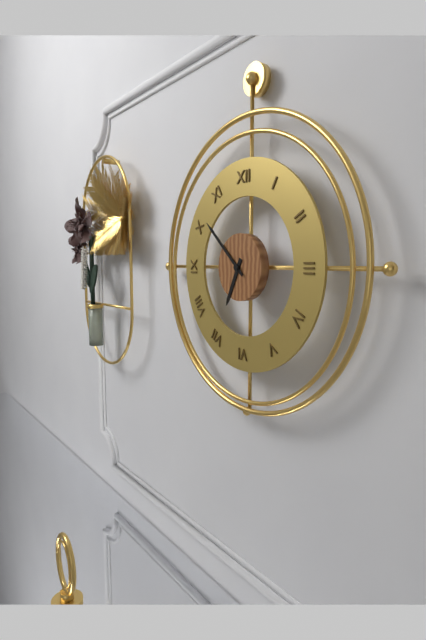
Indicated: 6 h 52 min
